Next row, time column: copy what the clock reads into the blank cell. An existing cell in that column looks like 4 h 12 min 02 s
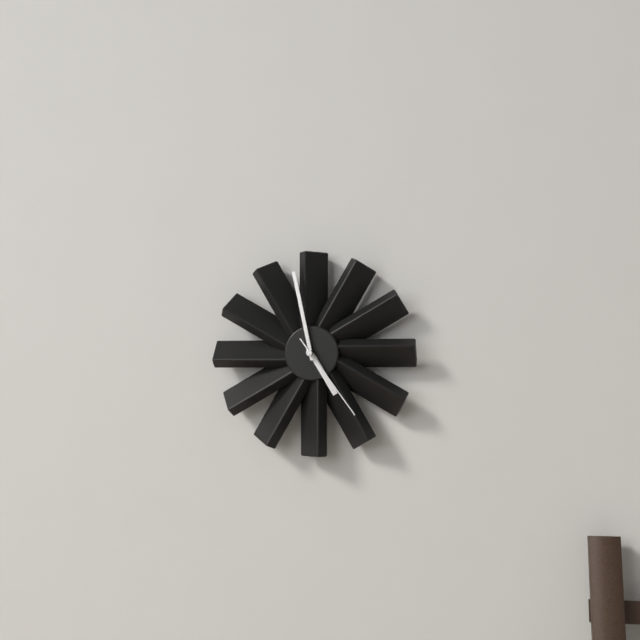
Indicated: 4 h 58 min 24 s
